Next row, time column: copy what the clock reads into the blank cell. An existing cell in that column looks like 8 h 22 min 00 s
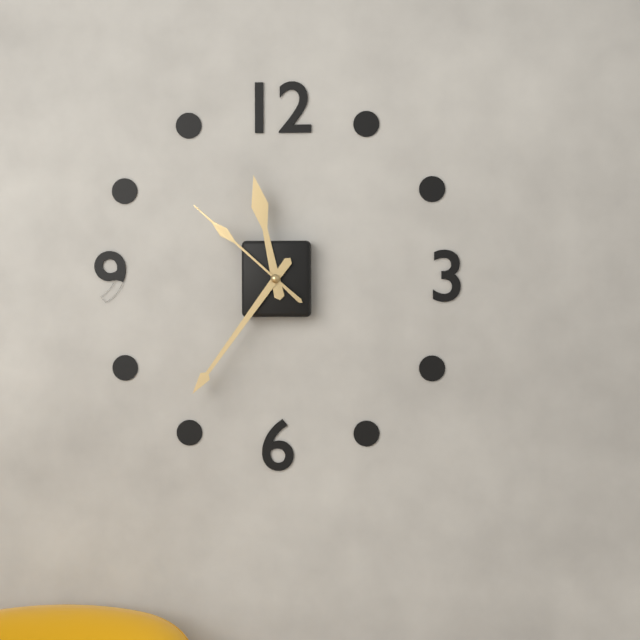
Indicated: 11 h 36 min 52 s
